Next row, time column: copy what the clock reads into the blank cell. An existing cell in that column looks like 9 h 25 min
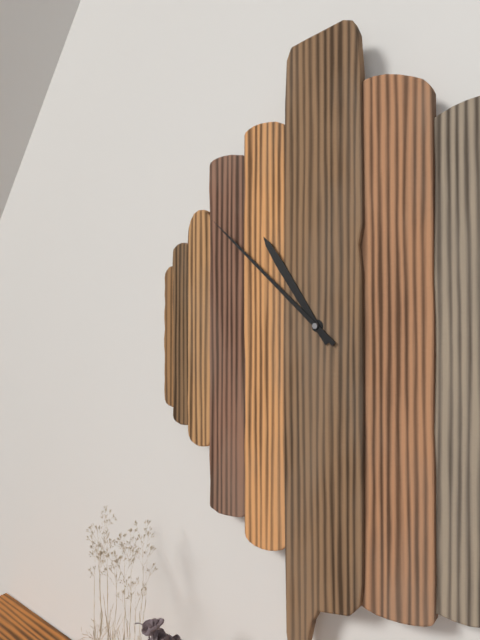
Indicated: 10 h 52 min
